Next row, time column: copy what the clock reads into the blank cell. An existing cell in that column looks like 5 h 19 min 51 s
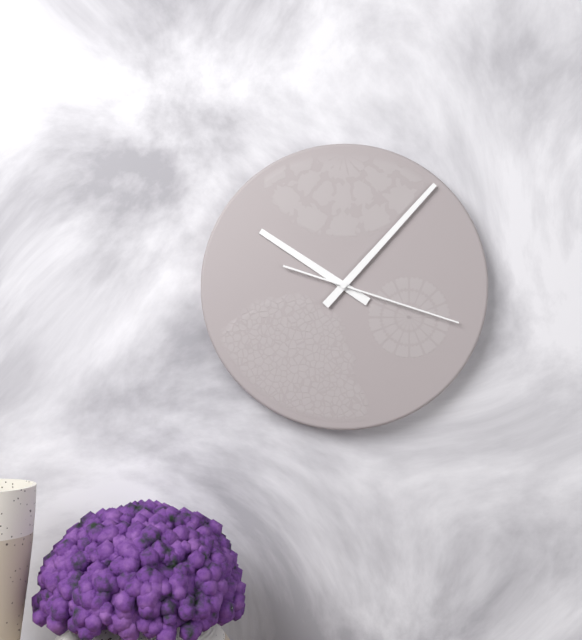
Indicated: 10 h 07 min 18 s
